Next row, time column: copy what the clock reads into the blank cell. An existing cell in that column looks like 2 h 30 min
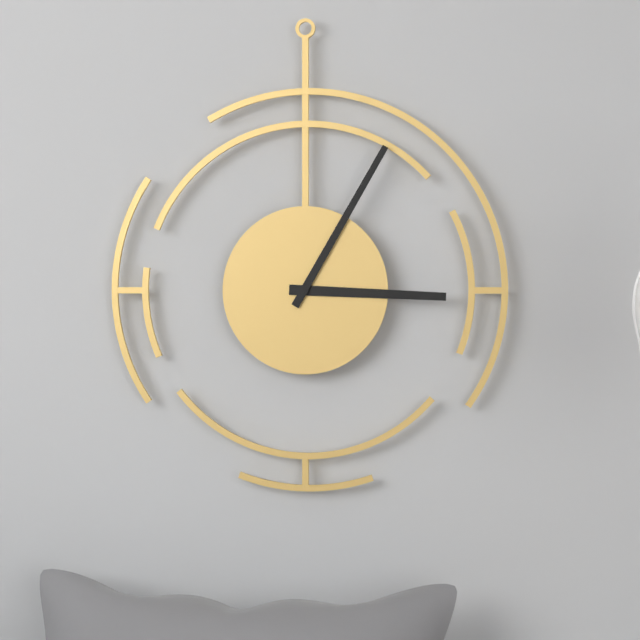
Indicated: 3 h 05 min
